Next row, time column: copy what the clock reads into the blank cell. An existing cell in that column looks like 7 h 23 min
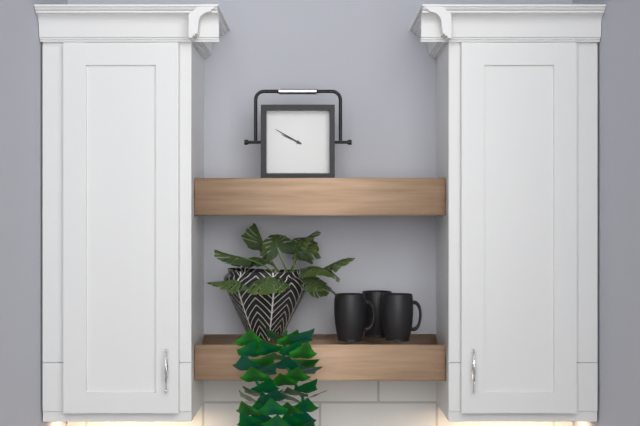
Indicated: 9 h 50 min
